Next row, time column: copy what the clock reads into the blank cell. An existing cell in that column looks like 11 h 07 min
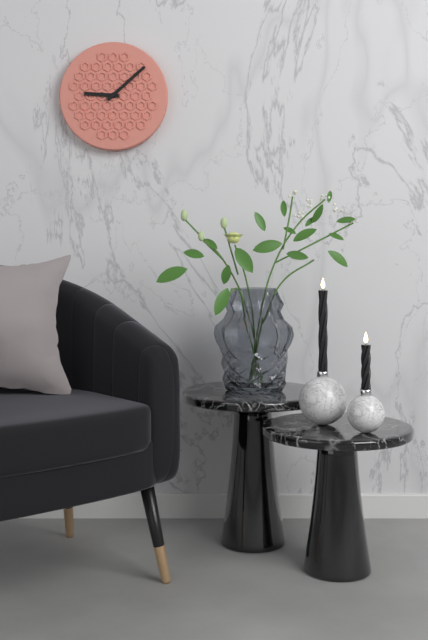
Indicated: 9 h 08 min
